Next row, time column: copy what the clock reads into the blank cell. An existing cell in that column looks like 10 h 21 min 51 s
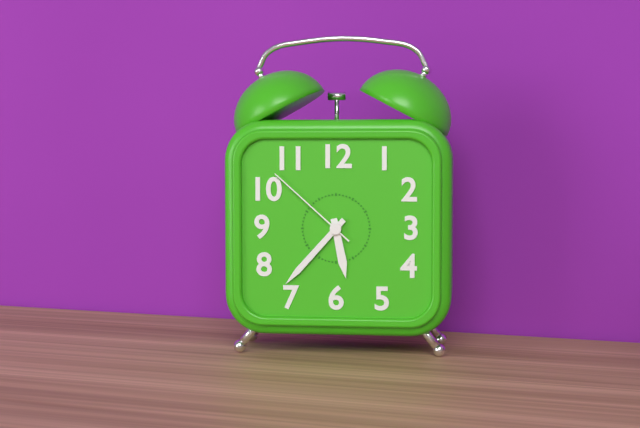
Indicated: 5 h 37 min 52 s
